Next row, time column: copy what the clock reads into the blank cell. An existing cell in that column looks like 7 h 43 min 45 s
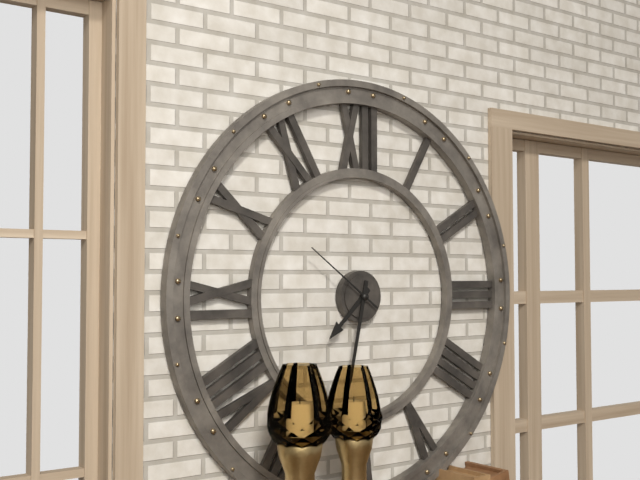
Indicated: 7 h 32 min 51 s
